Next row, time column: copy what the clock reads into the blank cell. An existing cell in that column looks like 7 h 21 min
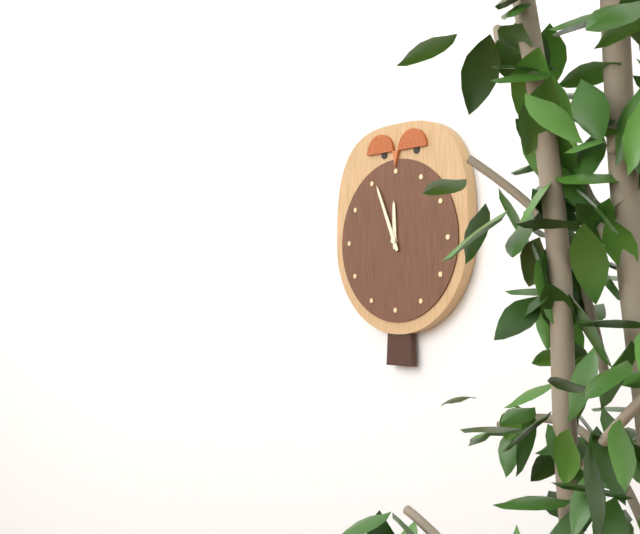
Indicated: 11 h 56 min
